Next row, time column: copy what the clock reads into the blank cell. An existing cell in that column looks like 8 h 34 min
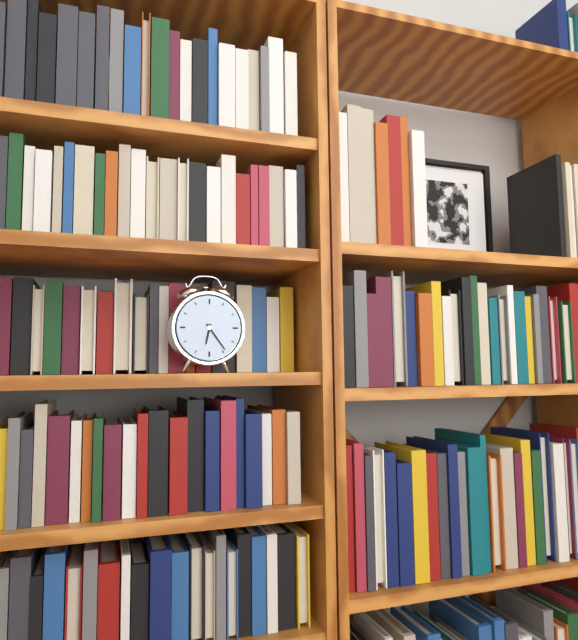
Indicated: 6 h 24 min
